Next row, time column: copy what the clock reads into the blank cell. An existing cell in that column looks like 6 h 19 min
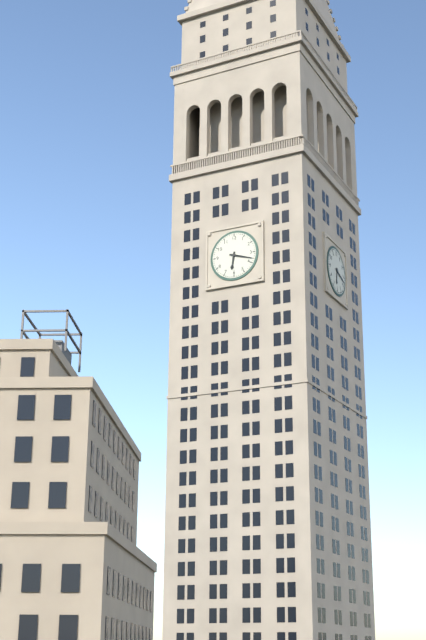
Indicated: 6 h 18 min
